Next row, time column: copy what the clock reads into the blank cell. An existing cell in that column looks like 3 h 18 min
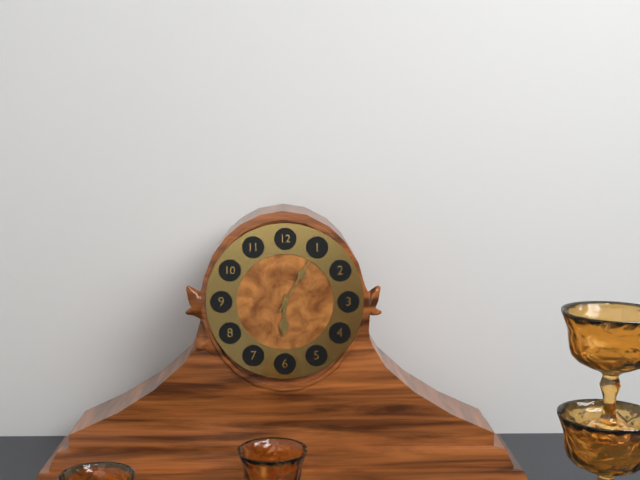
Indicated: 6 h 05 min
